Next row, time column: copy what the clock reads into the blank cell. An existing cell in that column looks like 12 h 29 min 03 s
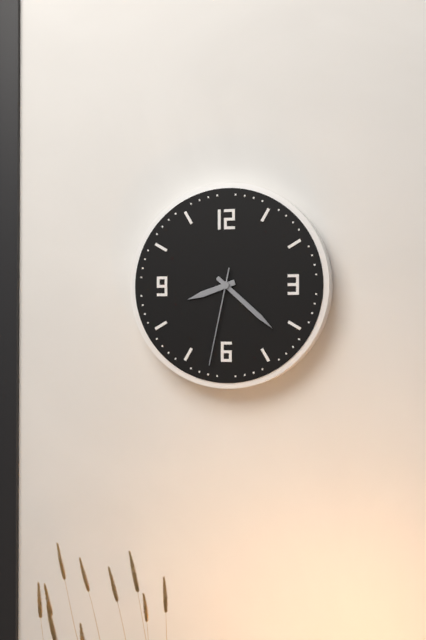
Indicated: 8 h 22 min 32 s
